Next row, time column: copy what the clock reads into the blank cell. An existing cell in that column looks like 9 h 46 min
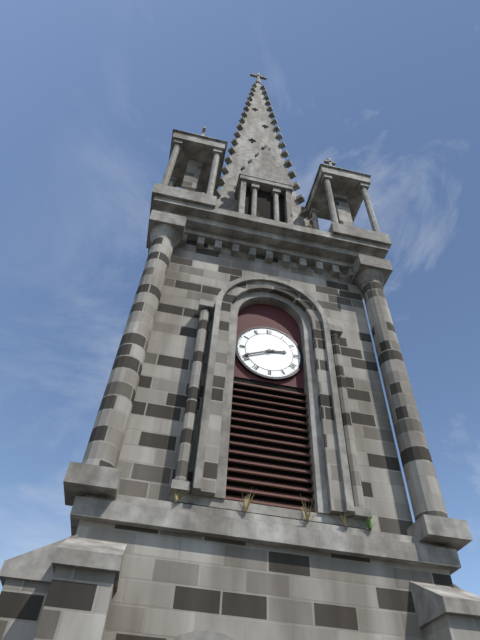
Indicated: 2 h 41 min
